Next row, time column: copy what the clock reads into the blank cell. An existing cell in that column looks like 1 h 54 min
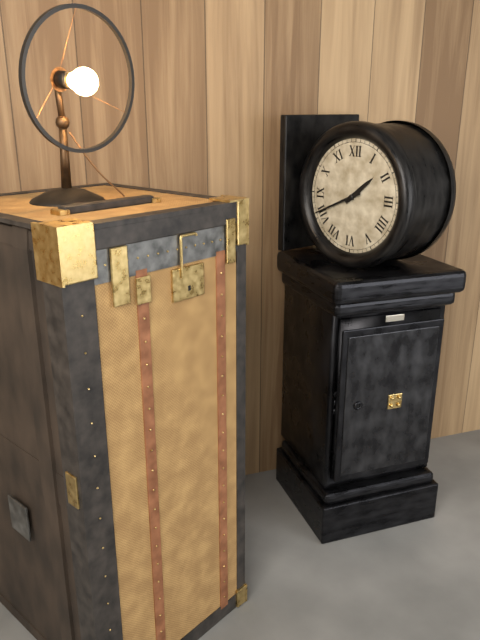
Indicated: 1 h 41 min
